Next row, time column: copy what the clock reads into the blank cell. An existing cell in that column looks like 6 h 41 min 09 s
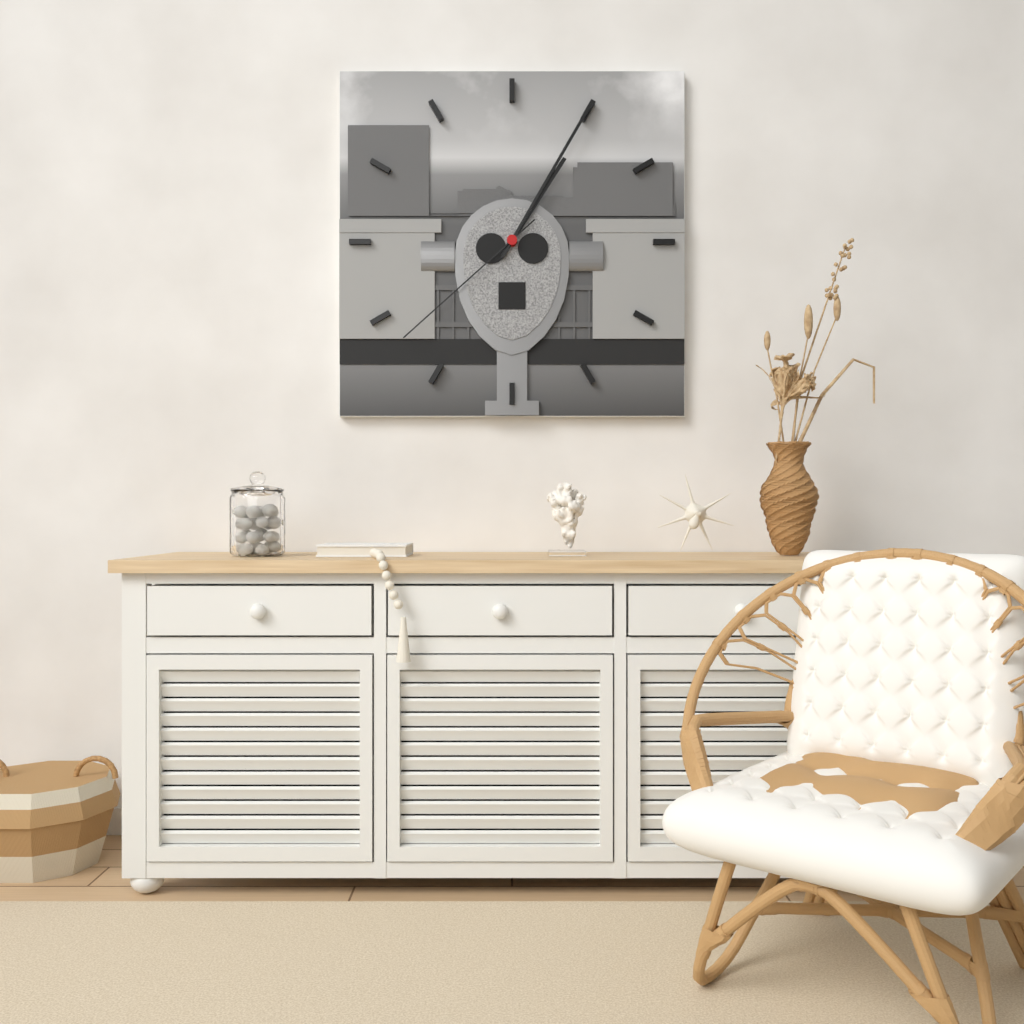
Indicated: 1 h 05 min 38 s
